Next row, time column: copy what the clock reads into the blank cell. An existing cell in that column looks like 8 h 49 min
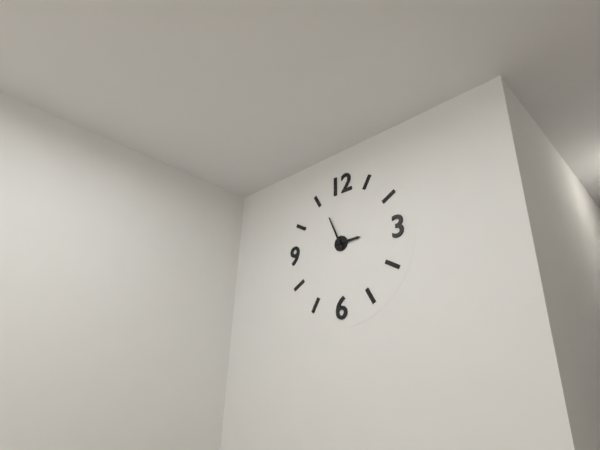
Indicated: 2 h 56 min
